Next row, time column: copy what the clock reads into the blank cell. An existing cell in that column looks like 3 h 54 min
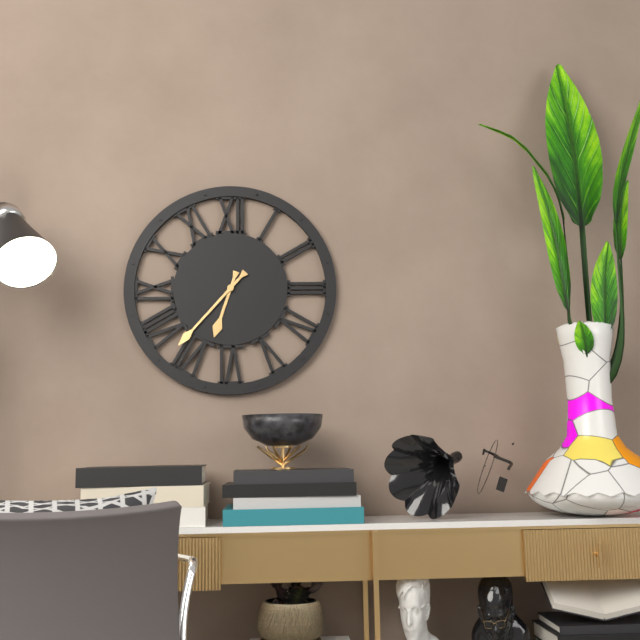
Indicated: 6 h 37 min
